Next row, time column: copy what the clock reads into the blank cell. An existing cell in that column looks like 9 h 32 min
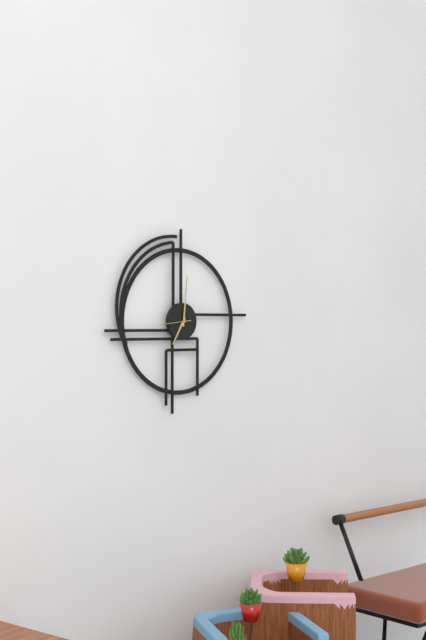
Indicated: 7 h 01 min
